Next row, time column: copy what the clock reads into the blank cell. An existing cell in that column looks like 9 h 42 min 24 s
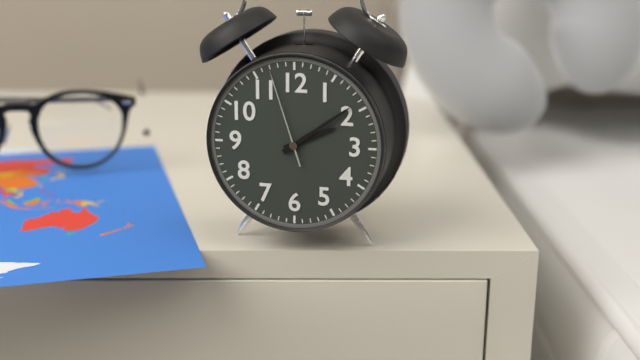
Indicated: 2 h 09 min 57 s
